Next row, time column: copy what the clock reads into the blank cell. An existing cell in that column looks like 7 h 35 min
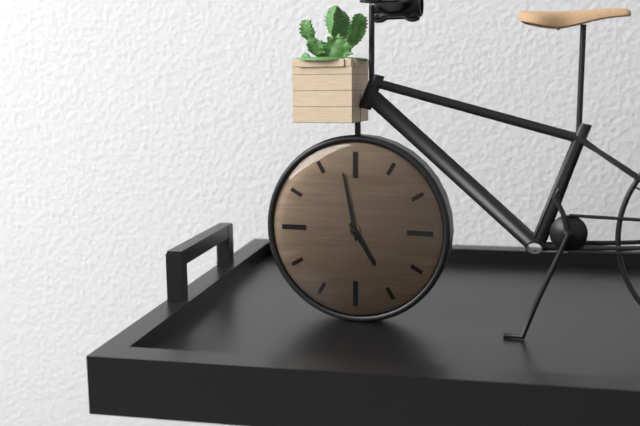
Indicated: 4 h 58 min
